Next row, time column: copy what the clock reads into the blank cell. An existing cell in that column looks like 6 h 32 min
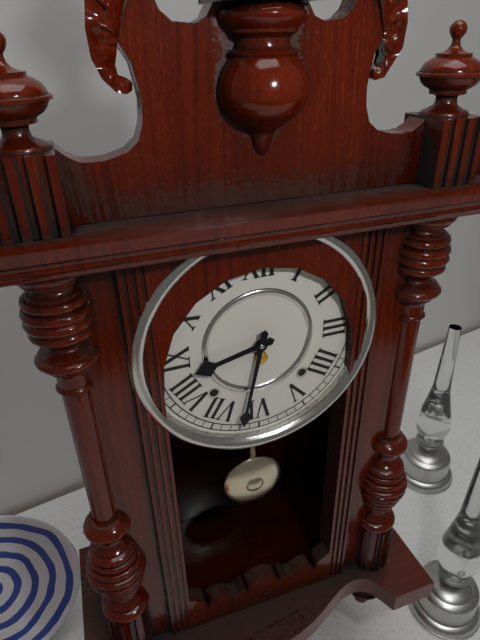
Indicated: 8 h 32 min
